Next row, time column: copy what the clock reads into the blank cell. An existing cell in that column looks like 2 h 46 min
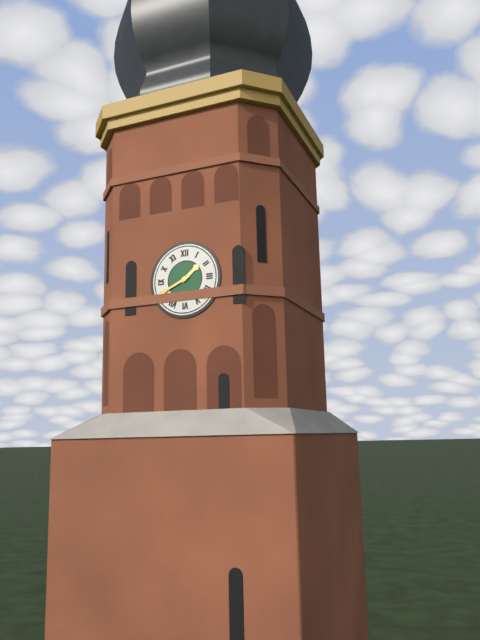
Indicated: 1 h 41 min
